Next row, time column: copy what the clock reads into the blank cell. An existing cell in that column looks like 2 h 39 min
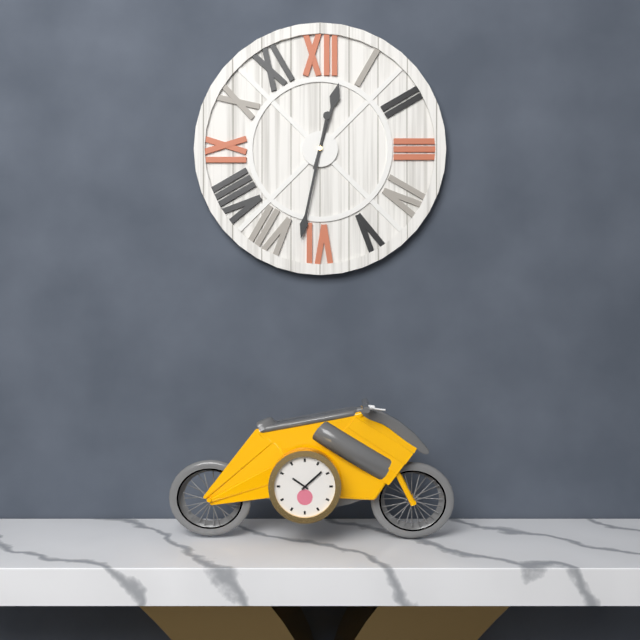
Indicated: 12 h 32 min
